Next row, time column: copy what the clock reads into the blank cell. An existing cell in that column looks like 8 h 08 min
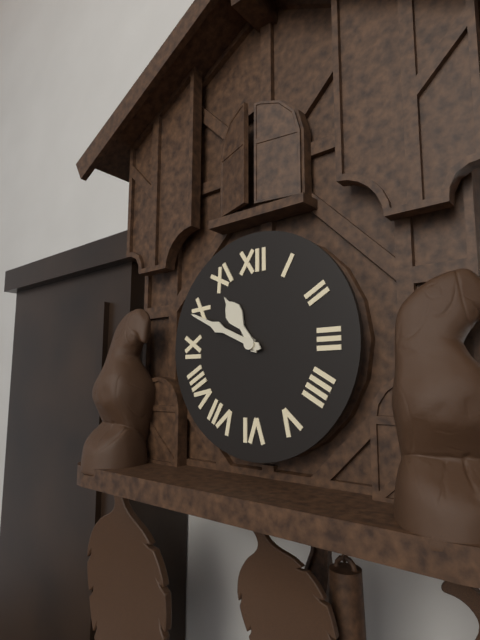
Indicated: 10 h 49 min
